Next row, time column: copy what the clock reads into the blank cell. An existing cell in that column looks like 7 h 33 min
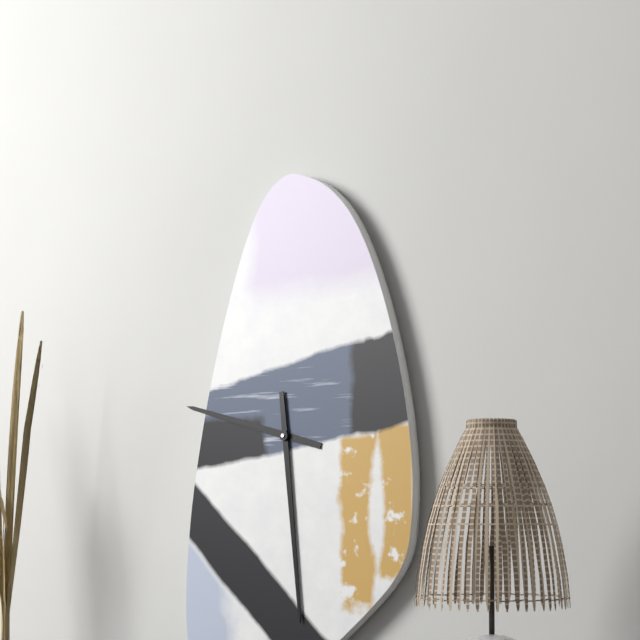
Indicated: 9 h 29 min
